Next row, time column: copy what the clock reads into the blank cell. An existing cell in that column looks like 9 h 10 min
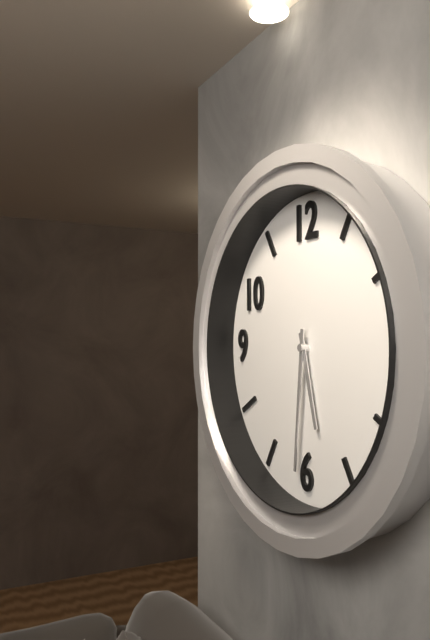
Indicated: 5 h 31 min
